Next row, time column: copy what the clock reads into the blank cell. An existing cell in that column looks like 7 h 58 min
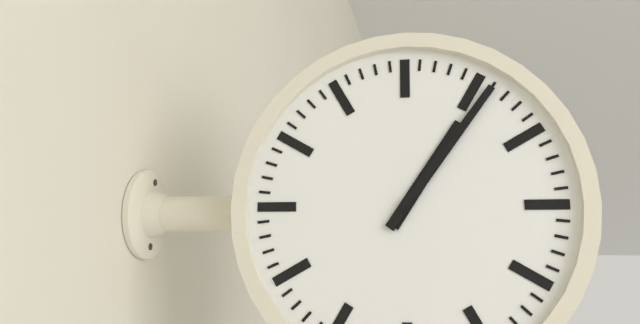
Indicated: 1 h 06 min
